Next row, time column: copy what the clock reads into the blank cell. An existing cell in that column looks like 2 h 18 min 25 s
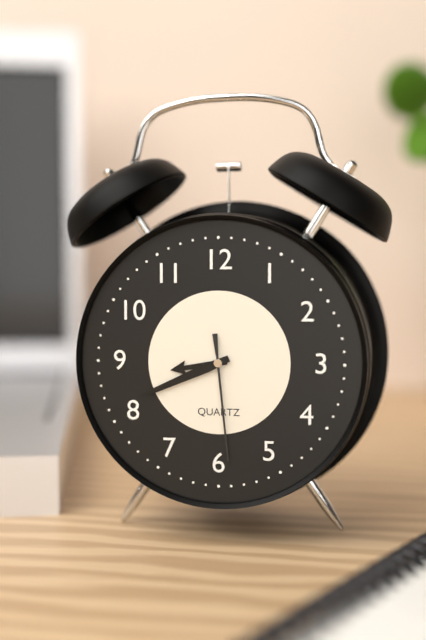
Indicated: 8 h 41 min 29 s
